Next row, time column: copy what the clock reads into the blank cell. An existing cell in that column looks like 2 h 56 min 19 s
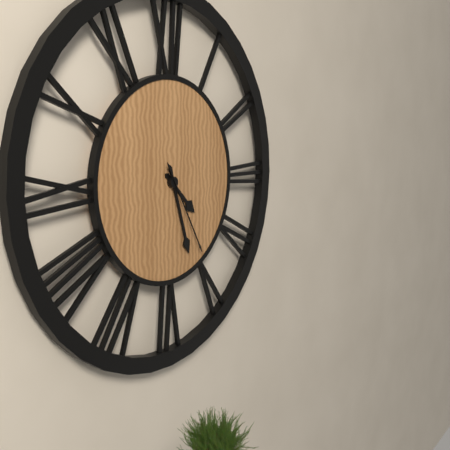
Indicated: 4 h 27 min 25 s
